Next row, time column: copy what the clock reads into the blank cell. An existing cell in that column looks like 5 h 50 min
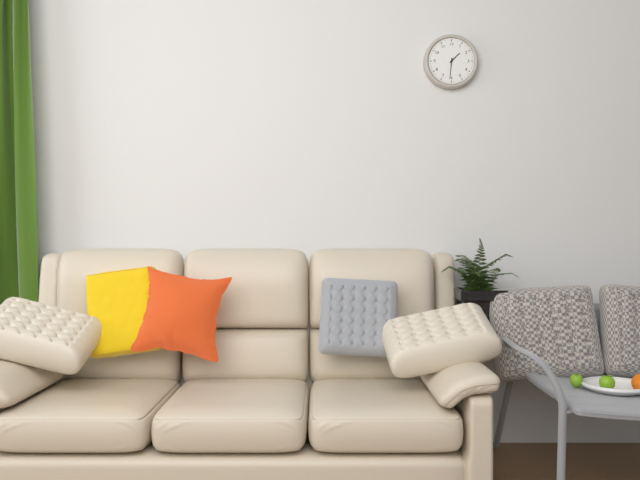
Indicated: 1 h 31 min
